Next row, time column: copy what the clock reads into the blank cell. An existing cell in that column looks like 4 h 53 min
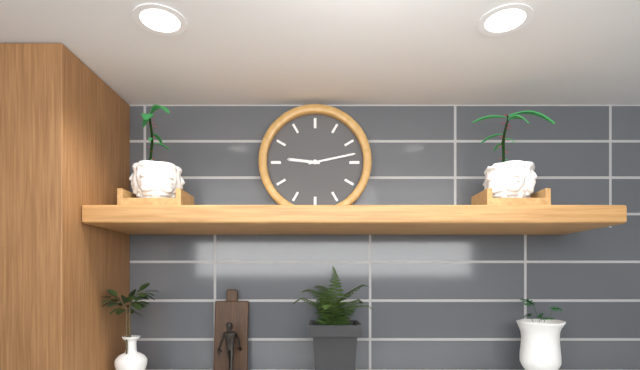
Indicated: 9 h 13 min
